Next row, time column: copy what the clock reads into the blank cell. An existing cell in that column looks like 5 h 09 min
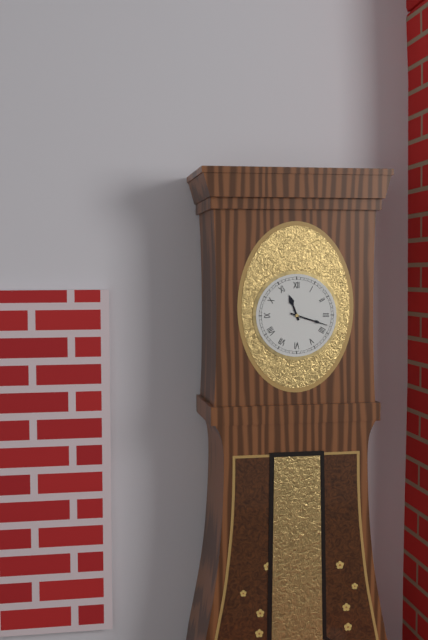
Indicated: 11 h 18 min
